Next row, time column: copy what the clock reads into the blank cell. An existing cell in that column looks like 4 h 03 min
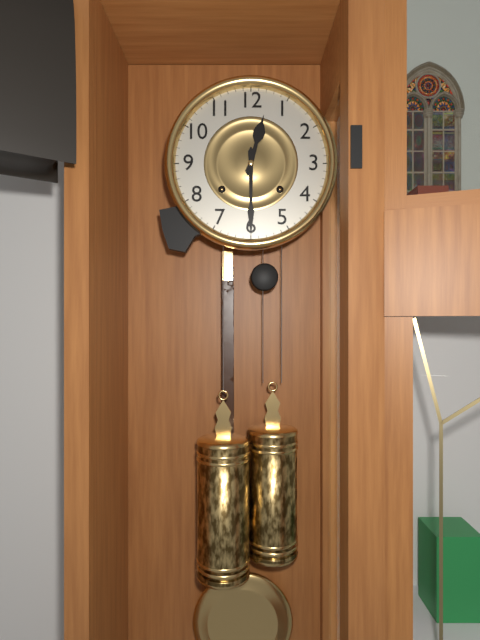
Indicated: 12 h 30 min
